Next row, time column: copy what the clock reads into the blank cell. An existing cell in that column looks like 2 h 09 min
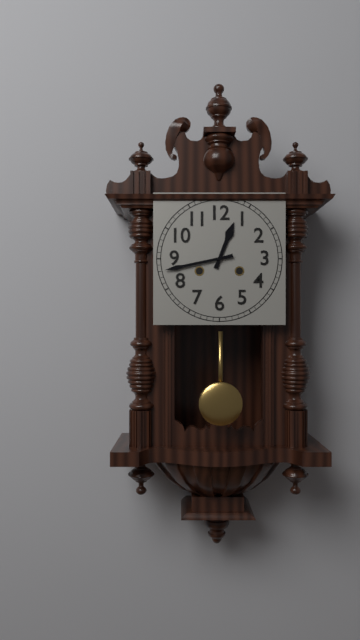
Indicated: 12 h 43 min
